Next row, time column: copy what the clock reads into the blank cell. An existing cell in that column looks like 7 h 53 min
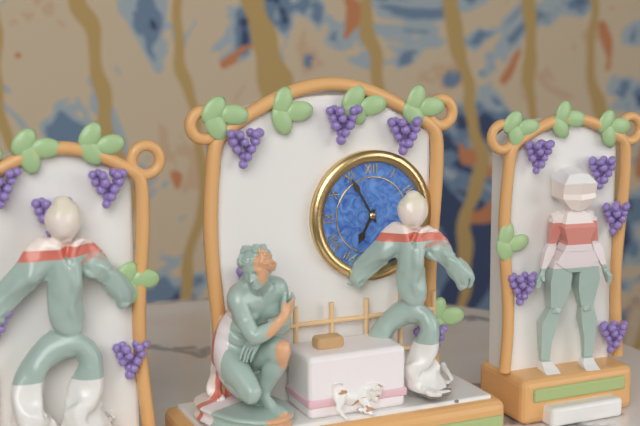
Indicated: 6 h 55 min
